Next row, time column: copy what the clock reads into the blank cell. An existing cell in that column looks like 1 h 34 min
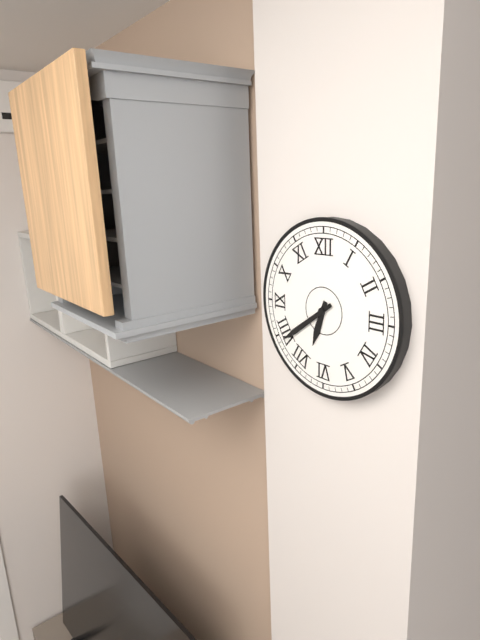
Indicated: 6 h 39 min
